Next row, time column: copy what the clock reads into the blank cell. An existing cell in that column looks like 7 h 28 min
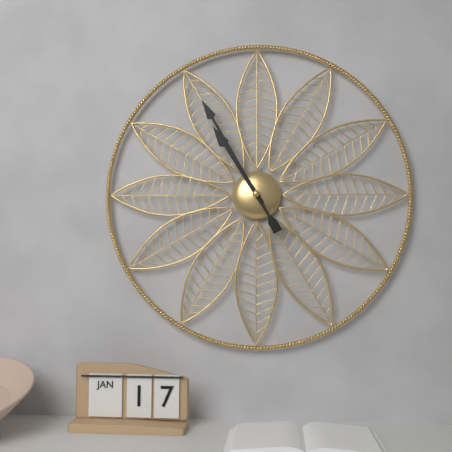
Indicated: 10 h 55 min
